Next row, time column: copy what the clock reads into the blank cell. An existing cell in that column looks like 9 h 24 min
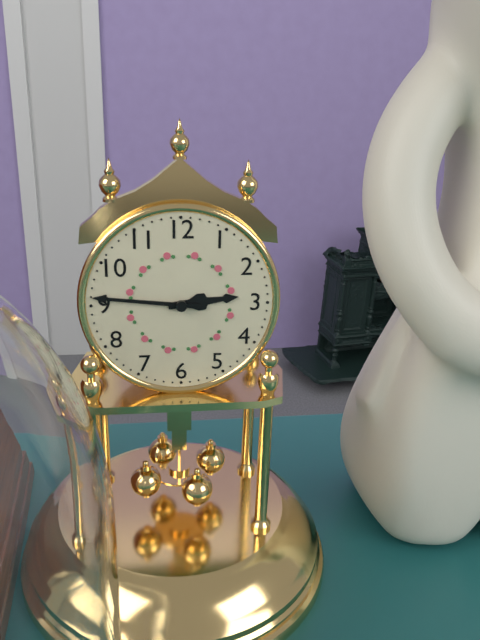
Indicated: 2 h 46 min
